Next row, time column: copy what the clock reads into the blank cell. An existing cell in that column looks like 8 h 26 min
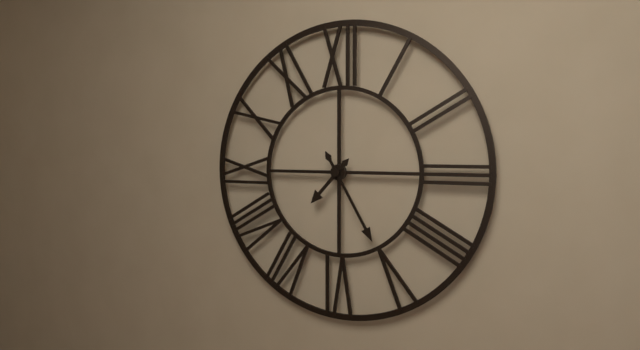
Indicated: 7 h 25 min
